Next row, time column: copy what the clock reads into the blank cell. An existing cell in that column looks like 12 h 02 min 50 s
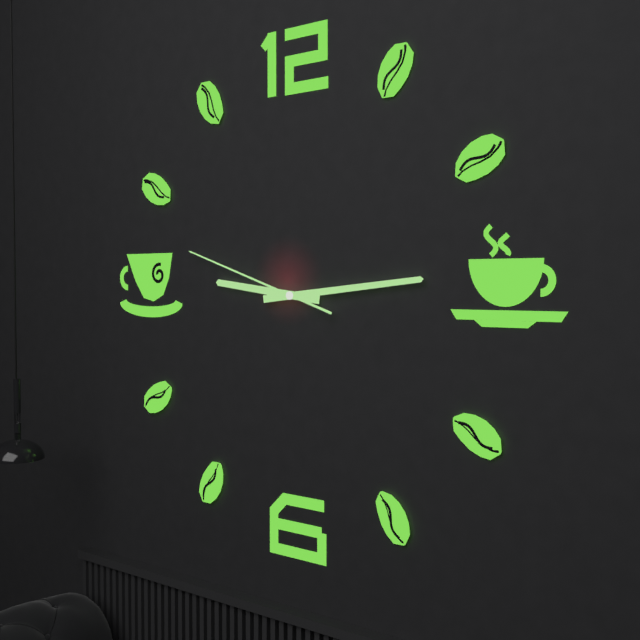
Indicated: 9 h 14 min 48 s
